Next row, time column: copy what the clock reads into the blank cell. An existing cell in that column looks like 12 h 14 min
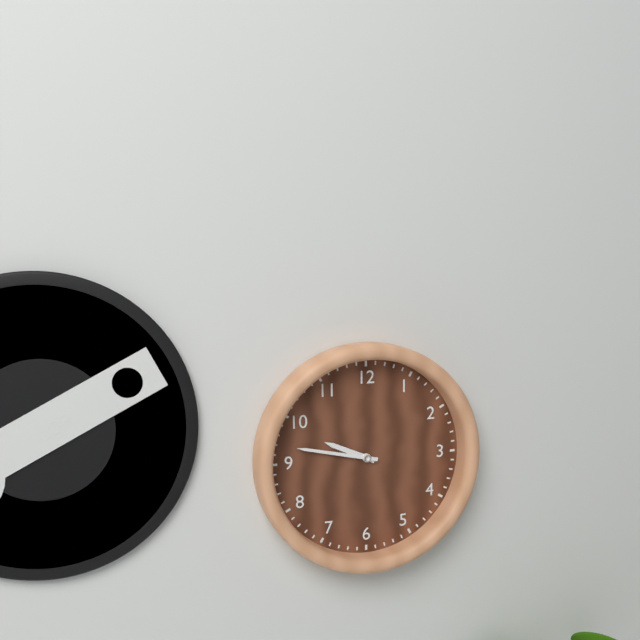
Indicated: 9 h 47 min
